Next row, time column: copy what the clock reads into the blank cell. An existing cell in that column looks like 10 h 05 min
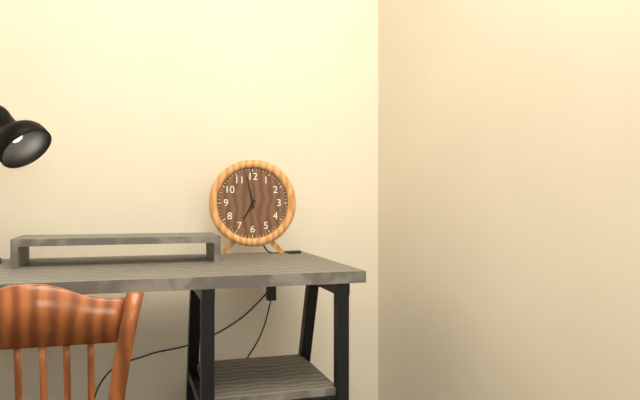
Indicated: 6 h 58 min
